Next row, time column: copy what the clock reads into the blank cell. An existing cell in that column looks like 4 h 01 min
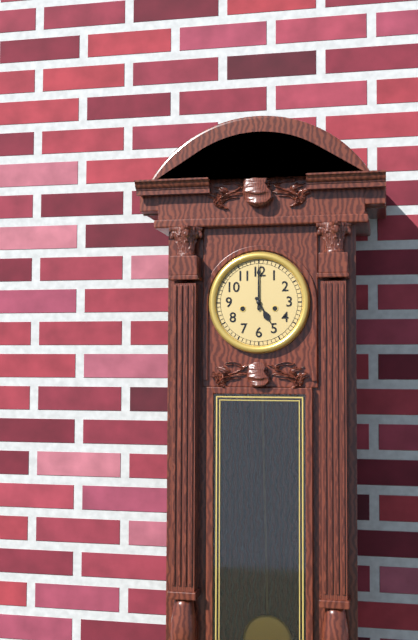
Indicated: 5 h 00 min
